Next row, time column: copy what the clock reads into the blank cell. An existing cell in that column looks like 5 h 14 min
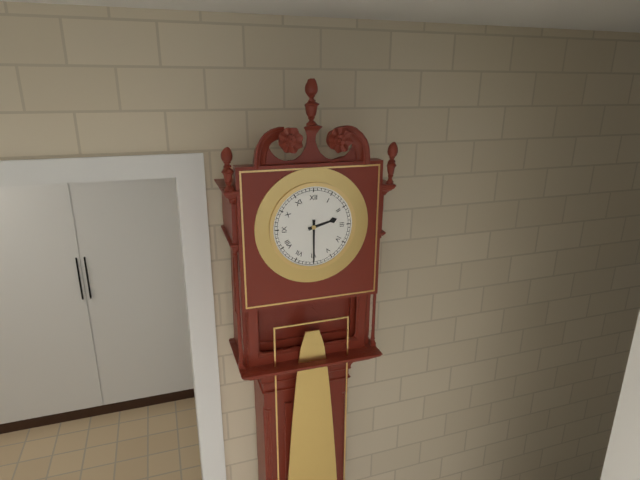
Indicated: 2 h 30 min
